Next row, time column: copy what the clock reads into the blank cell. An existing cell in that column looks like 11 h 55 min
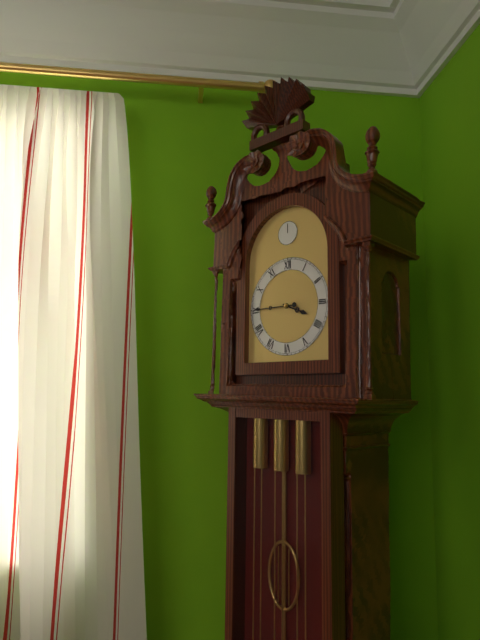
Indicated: 3 h 45 min
